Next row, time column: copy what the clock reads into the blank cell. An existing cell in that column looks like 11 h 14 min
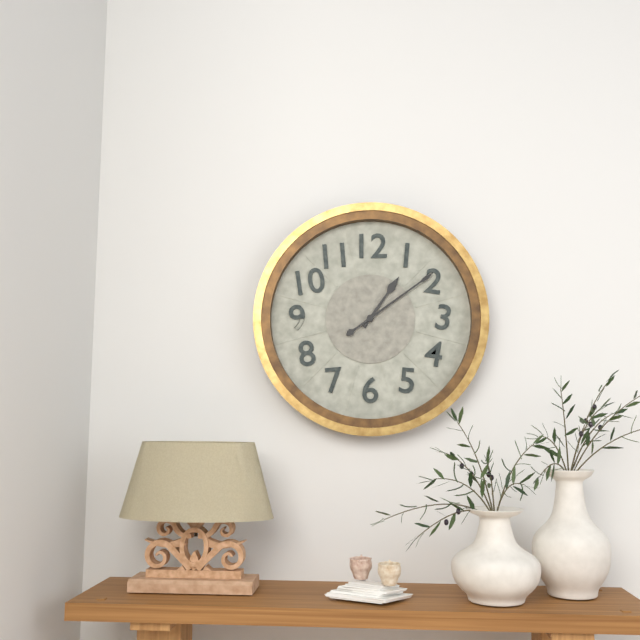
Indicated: 1 h 09 min
